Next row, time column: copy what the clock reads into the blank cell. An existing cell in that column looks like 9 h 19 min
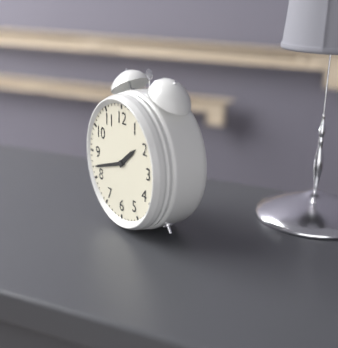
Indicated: 1 h 42 min
